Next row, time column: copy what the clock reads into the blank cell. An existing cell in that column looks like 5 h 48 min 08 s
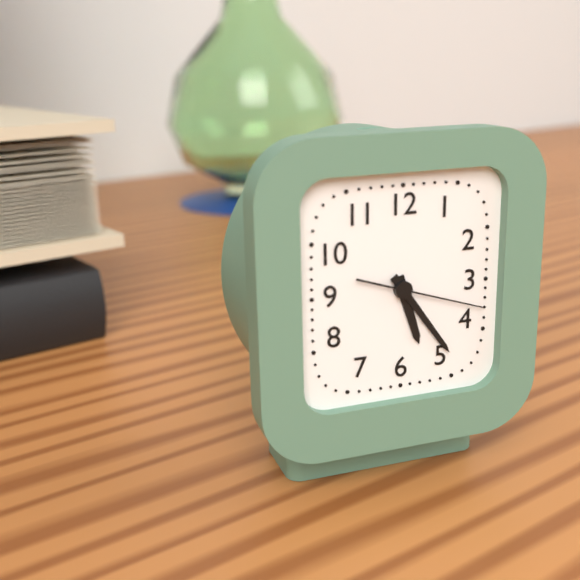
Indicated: 5 h 24 min 18 s
